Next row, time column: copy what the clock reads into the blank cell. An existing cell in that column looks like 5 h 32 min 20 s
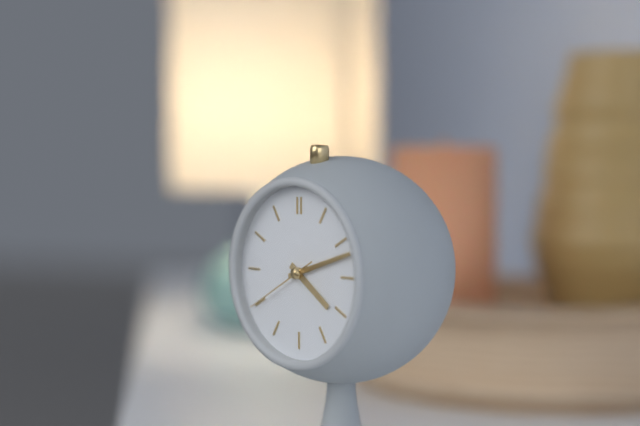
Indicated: 4 h 12 min 40 s
